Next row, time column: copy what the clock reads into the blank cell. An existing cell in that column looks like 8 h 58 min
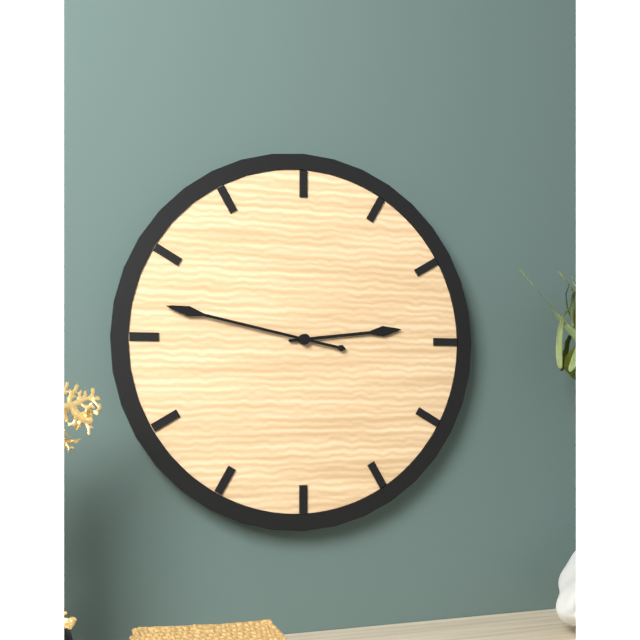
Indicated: 2 h 47 min
